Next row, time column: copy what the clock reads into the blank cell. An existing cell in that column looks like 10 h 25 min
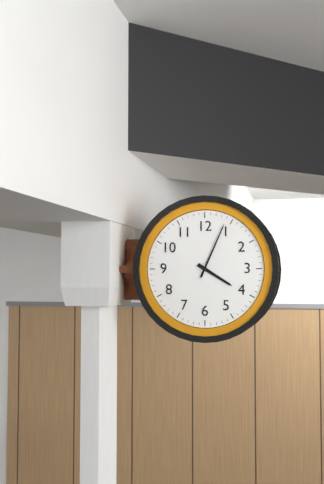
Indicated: 4 h 04 min
